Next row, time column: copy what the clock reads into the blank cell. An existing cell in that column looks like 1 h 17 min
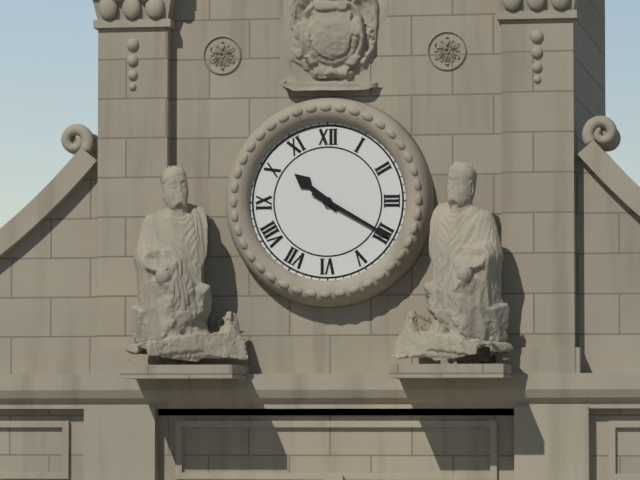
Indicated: 10 h 20 min
